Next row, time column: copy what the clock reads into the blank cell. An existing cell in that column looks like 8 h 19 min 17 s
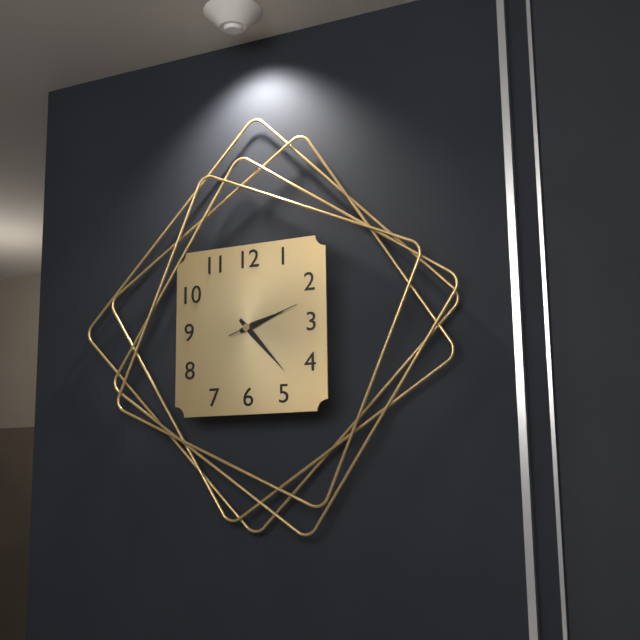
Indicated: 2 h 23 min 12 s
